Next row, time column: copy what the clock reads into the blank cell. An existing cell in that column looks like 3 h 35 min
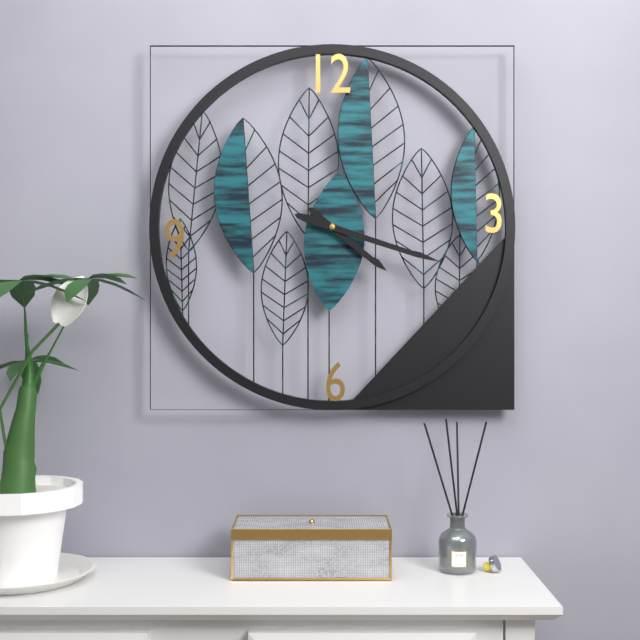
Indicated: 4 h 18 min
